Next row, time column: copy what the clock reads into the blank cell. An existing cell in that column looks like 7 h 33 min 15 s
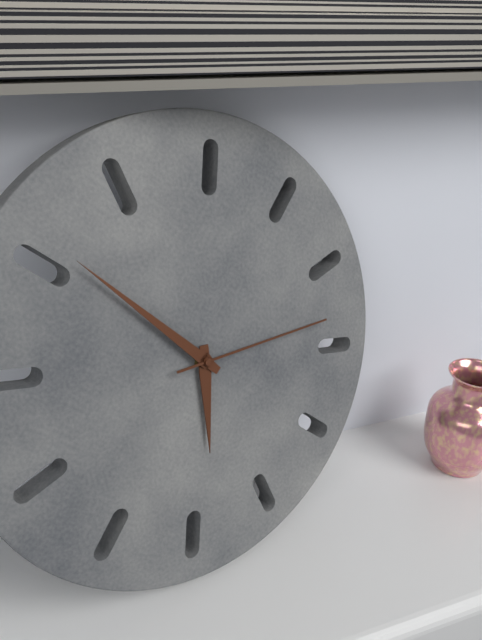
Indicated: 4 h 46 min 08 s
